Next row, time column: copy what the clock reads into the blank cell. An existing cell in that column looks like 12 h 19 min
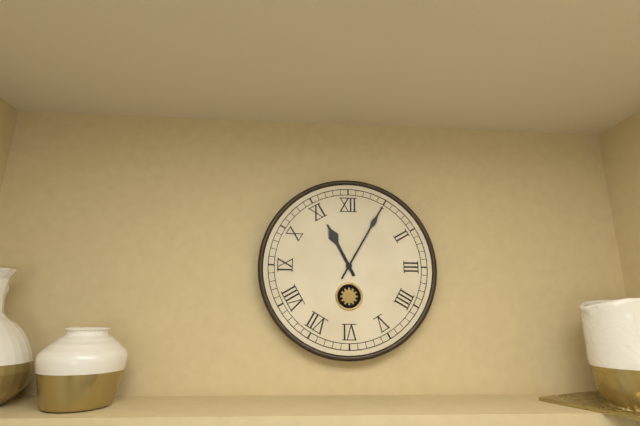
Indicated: 11 h 05 min
